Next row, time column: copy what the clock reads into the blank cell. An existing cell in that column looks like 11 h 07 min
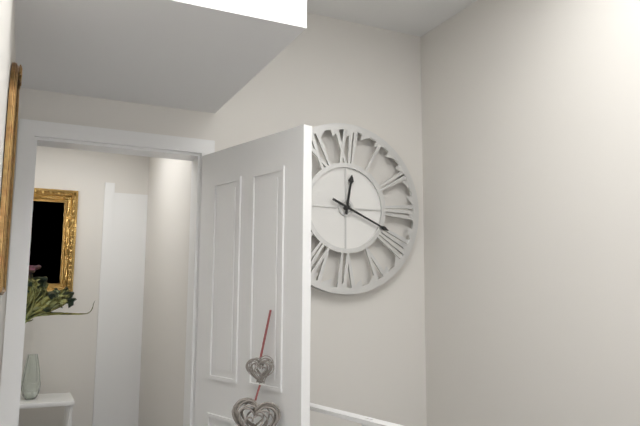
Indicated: 12 h 19 min
